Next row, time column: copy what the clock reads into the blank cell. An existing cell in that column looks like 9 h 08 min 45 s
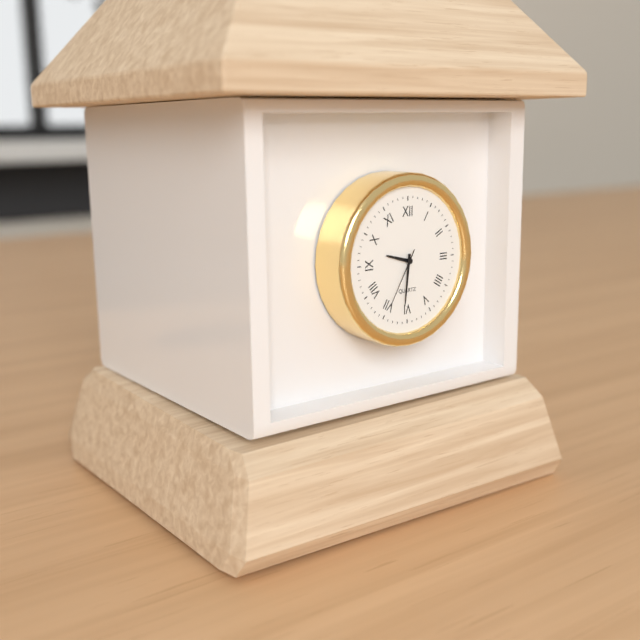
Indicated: 9 h 31 min 35 s
